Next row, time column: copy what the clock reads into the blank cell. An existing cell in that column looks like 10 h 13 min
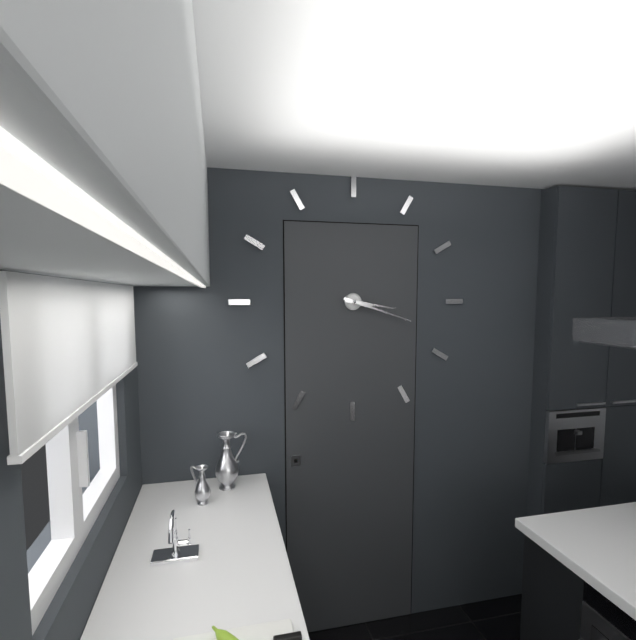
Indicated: 3 h 18 min
